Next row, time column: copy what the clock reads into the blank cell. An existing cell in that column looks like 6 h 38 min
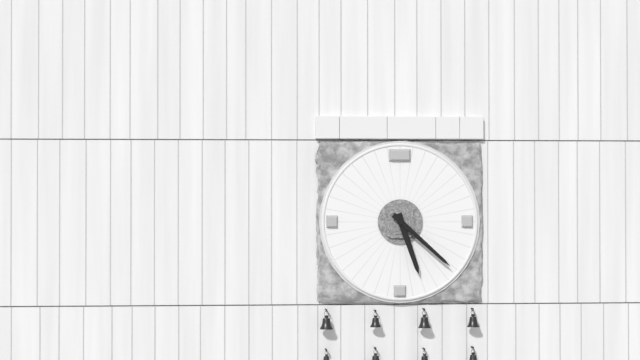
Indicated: 5 h 22 min
